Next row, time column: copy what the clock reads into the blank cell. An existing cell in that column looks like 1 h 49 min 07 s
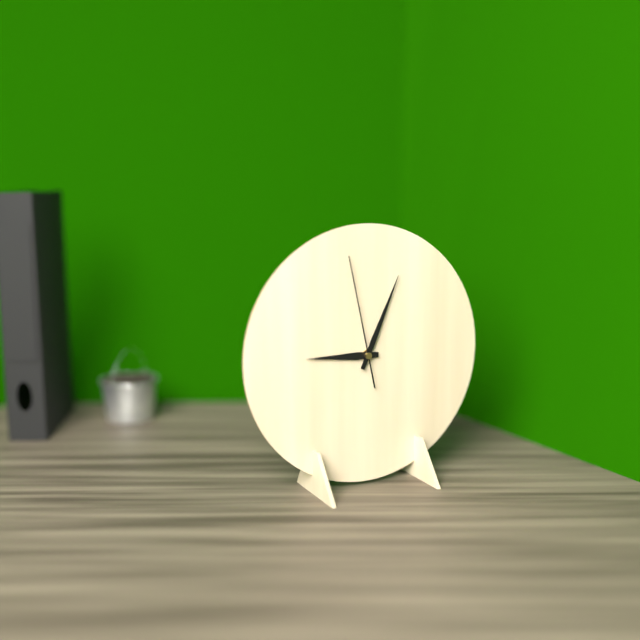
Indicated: 9 h 04 min 58 s
